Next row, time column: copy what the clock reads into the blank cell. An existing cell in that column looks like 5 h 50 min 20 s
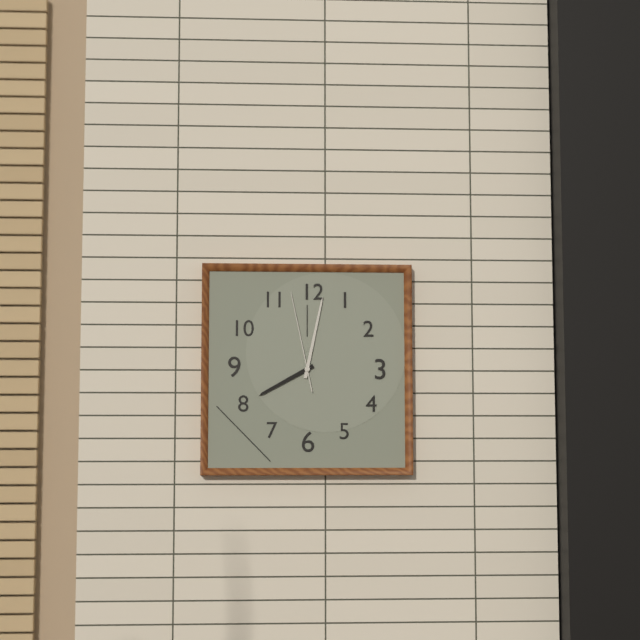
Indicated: 8 h 02 min 58 s
